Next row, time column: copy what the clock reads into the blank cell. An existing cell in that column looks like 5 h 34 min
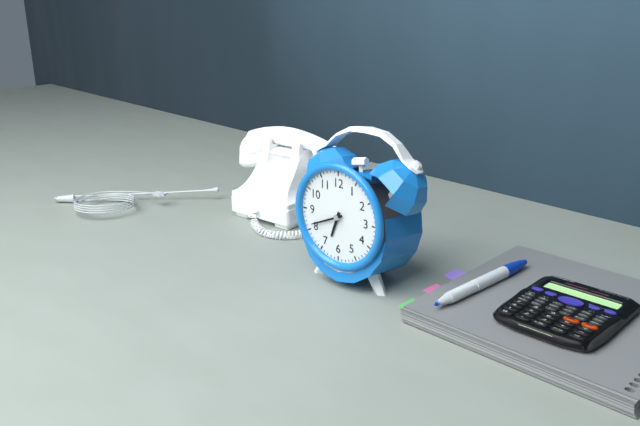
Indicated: 6 h 41 min
